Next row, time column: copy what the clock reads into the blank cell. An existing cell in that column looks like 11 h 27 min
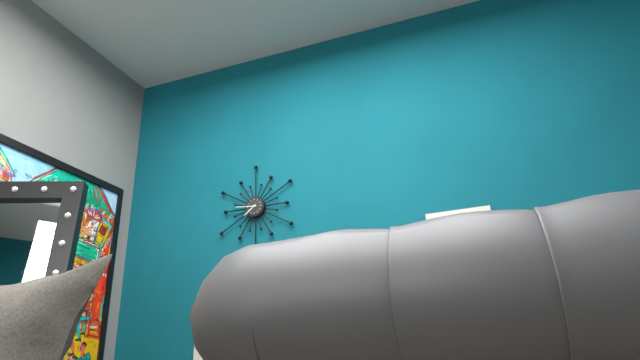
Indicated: 7 h 46 min
